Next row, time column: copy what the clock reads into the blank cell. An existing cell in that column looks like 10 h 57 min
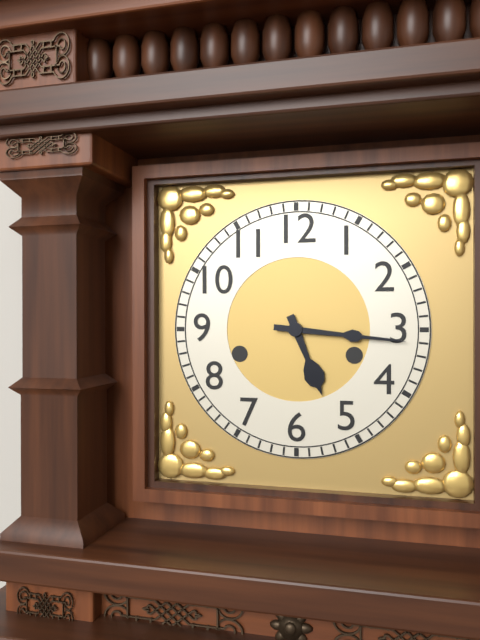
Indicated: 5 h 16 min
